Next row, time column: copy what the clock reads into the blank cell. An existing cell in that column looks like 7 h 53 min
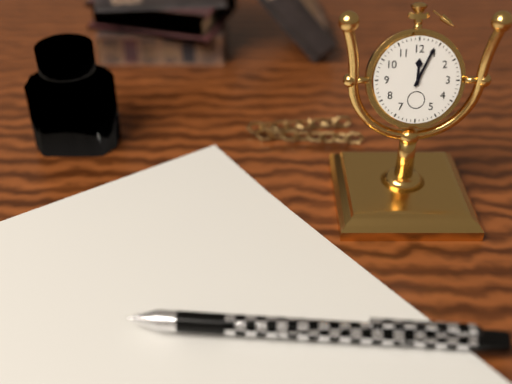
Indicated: 12 h 04 min
